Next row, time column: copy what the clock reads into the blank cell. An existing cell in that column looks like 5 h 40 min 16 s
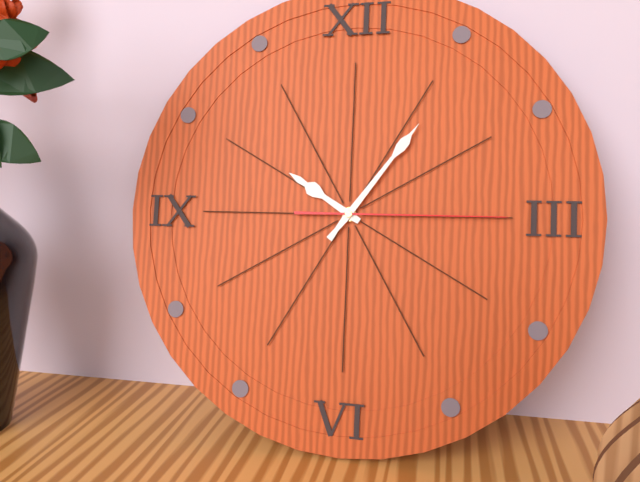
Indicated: 10 h 06 min 15 s
